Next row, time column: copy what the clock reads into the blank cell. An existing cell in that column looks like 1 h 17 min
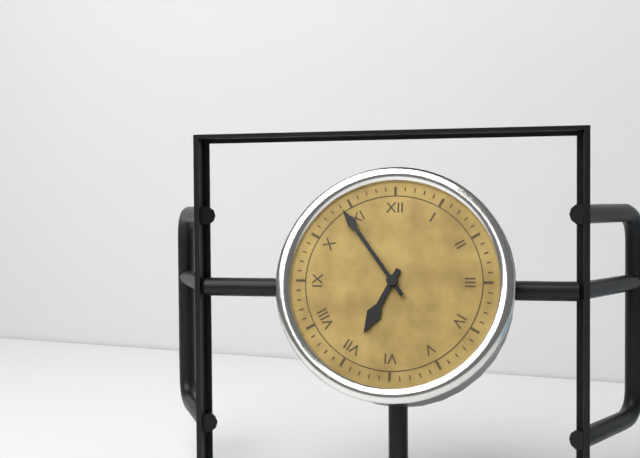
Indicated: 6 h 54 min
